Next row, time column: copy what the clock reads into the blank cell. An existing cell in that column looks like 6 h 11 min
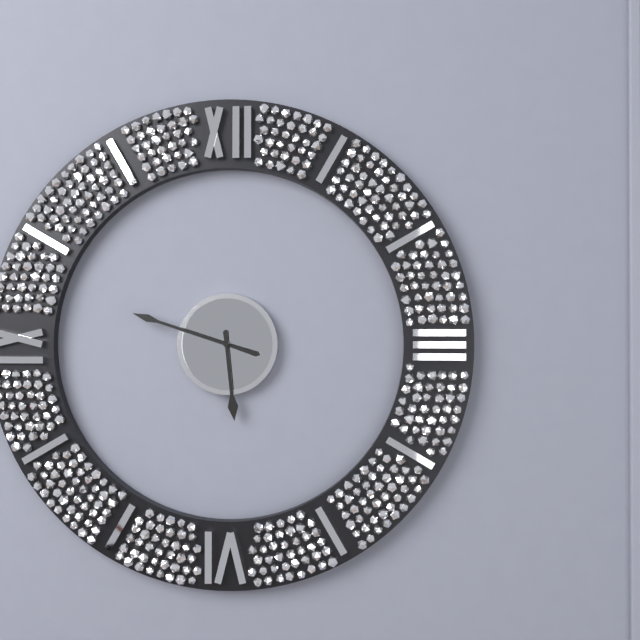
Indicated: 5 h 48 min
